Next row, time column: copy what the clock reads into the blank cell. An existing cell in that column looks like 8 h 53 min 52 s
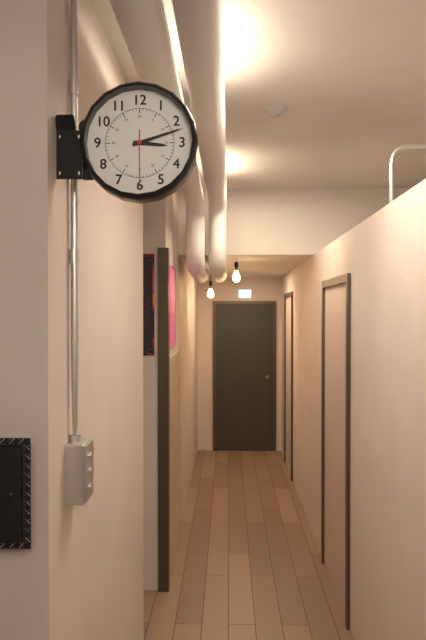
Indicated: 3 h 12 min 30 s
